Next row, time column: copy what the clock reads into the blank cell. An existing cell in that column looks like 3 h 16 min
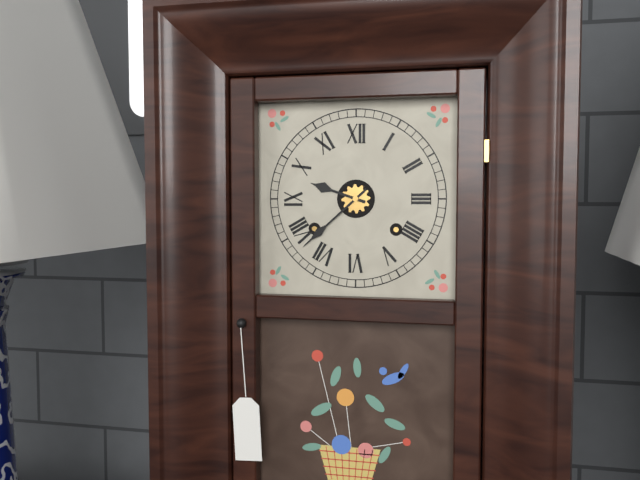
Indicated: 9 h 38 min
